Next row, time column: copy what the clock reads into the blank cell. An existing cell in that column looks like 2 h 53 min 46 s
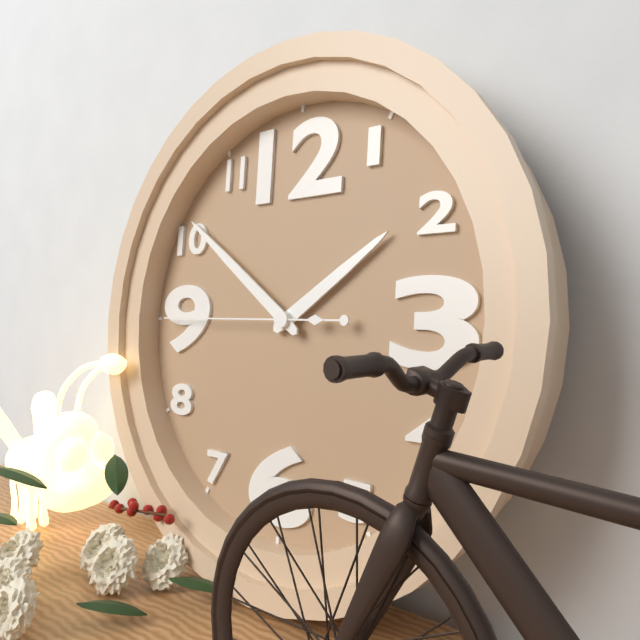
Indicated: 1 h 51 min 45 s
